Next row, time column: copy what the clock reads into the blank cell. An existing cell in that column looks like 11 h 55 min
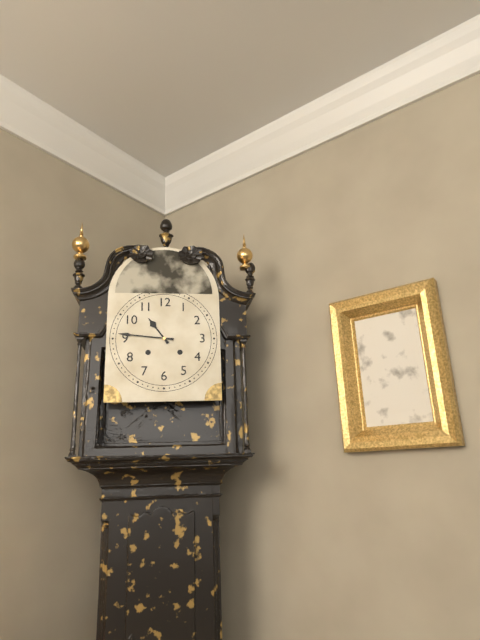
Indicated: 10 h 46 min
